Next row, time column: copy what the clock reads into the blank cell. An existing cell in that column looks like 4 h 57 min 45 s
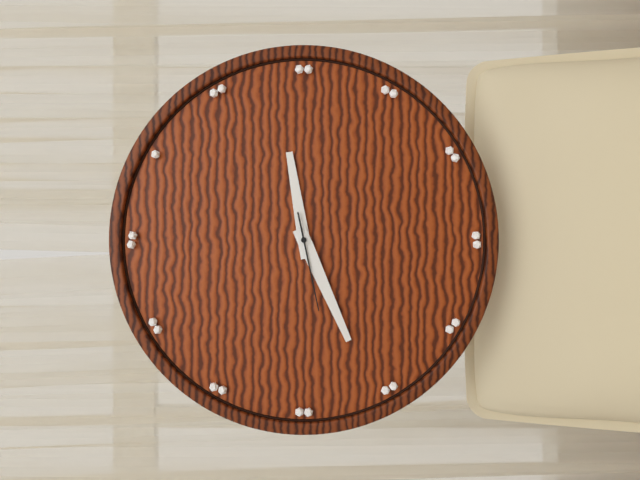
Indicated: 2 h 41 min 43 s
